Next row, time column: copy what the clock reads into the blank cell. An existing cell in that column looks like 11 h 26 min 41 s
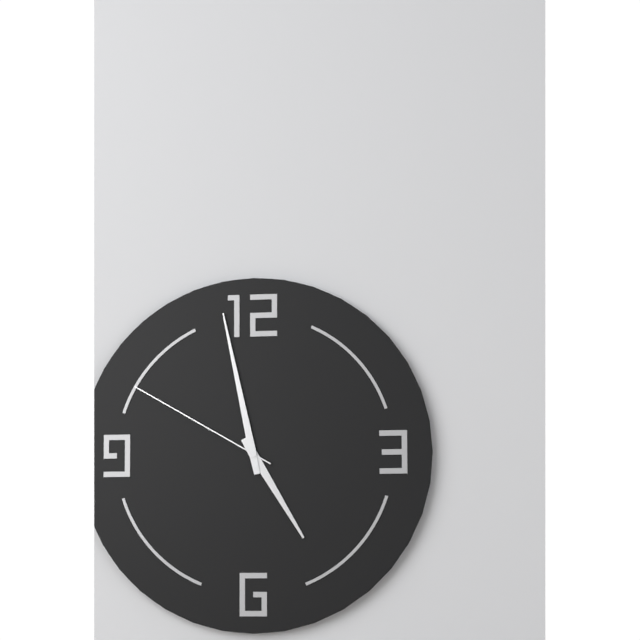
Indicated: 4 h 58 min 50 s
